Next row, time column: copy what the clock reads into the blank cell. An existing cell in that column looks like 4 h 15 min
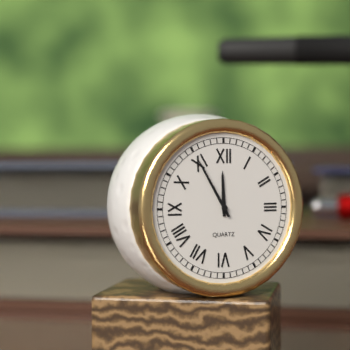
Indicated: 11 h 55 min
